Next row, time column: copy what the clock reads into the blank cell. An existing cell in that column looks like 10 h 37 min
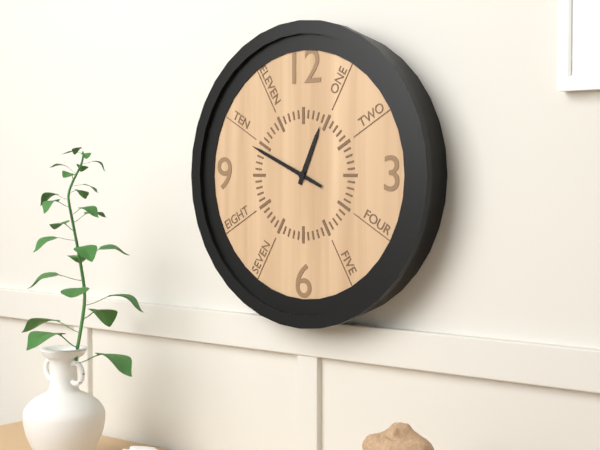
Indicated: 12 h 49 min
